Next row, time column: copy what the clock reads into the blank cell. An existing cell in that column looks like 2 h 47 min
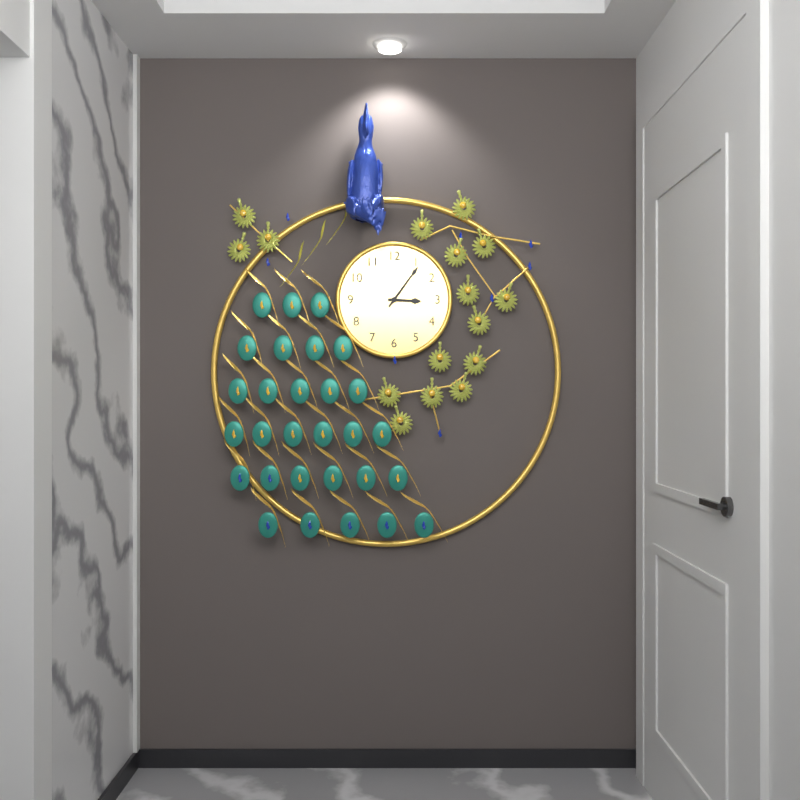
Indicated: 3 h 06 min
